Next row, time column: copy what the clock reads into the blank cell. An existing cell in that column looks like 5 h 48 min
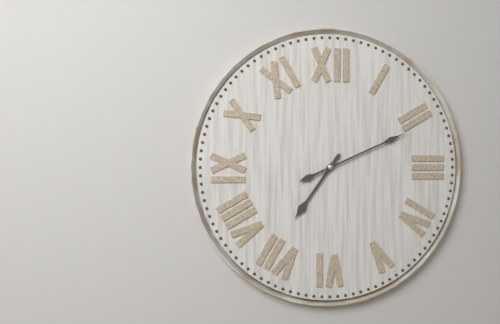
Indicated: 7 h 11 min
